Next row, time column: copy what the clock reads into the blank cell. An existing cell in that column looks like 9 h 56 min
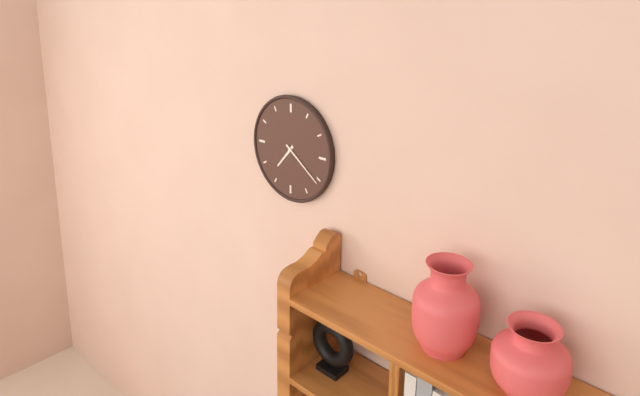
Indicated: 7 h 21 min
